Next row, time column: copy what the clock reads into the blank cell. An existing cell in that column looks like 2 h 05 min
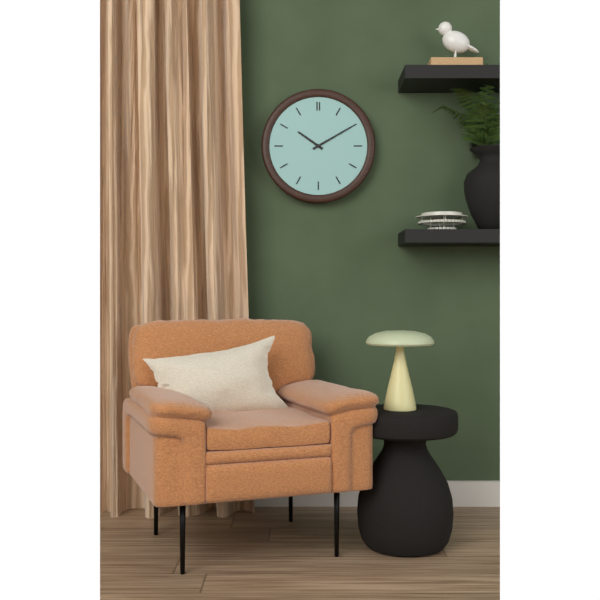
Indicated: 10 h 10 min
